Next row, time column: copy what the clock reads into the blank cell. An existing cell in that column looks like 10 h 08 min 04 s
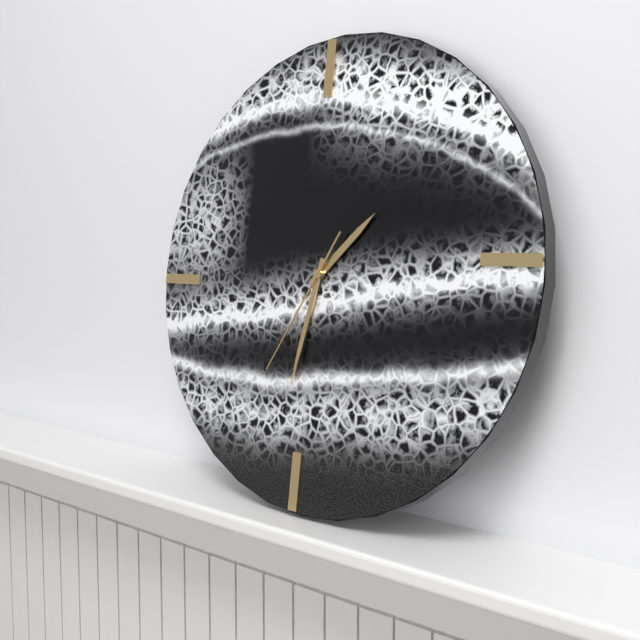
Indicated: 1 h 32 min 35 s
